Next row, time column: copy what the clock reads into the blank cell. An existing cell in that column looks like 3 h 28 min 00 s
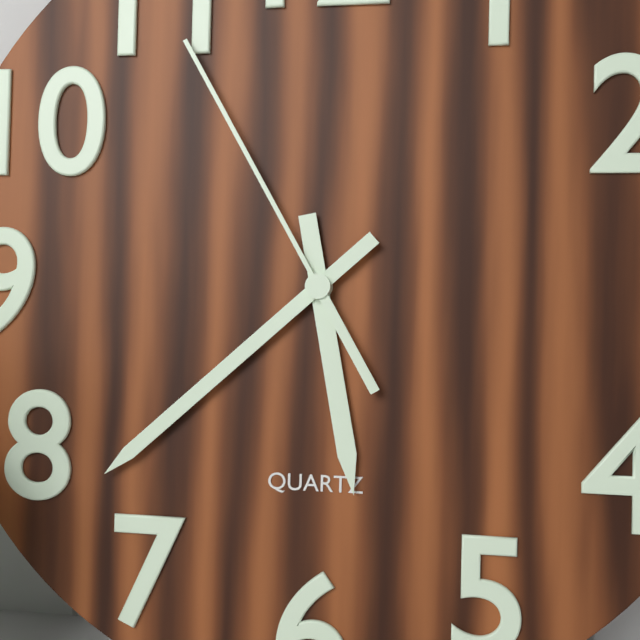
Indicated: 5 h 38 min 55 s
